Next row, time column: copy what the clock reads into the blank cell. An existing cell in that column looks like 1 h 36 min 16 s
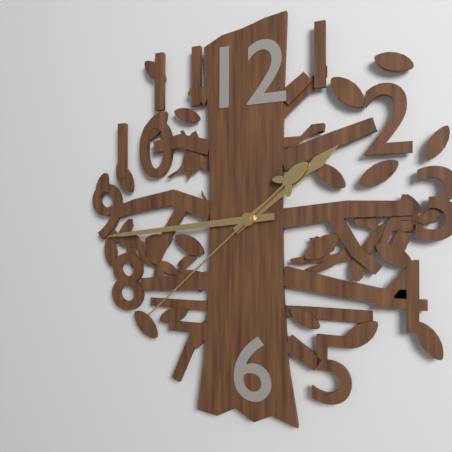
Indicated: 1 h 44 min 38 s
